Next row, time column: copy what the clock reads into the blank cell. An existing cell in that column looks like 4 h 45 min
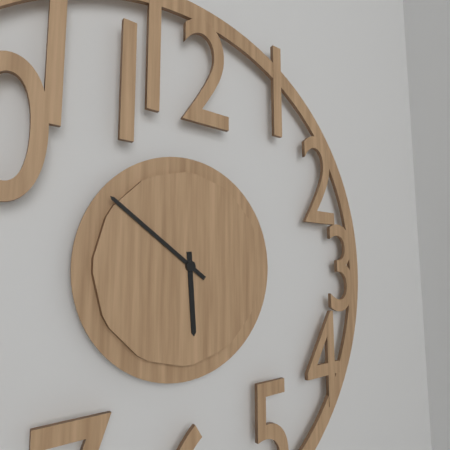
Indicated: 5 h 51 min
